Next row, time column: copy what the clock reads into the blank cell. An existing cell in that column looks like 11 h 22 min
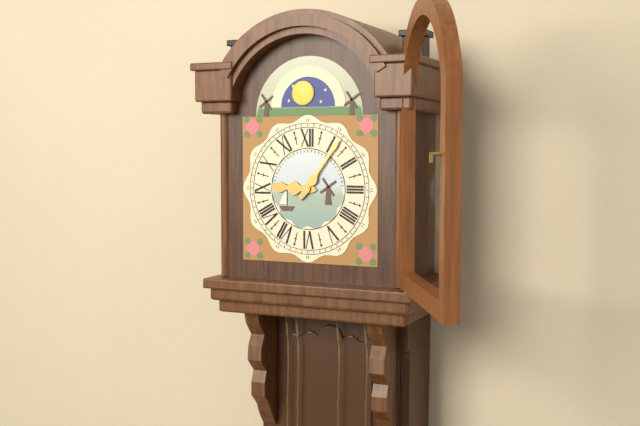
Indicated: 9 h 06 min
